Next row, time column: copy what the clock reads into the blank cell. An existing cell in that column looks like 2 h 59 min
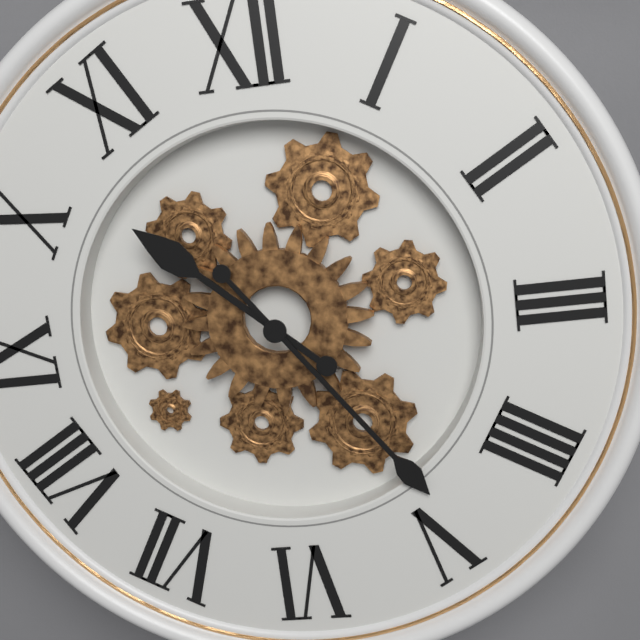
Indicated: 10 h 24 min
